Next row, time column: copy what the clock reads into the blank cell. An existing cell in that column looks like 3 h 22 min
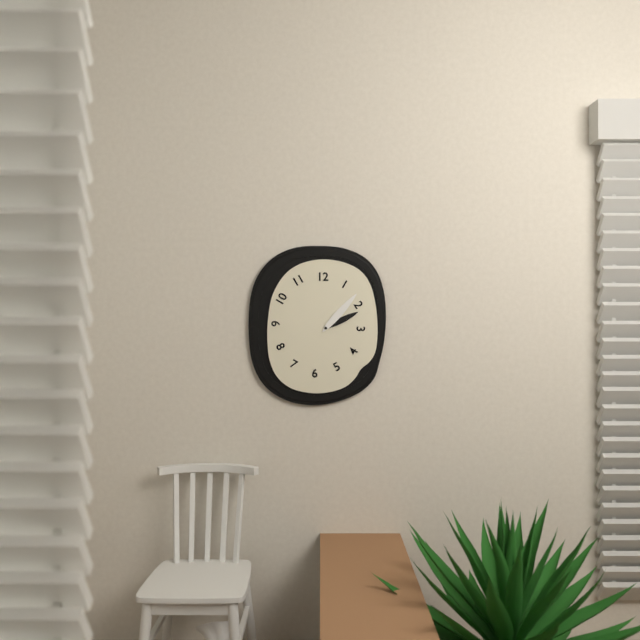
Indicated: 2 h 07 min
